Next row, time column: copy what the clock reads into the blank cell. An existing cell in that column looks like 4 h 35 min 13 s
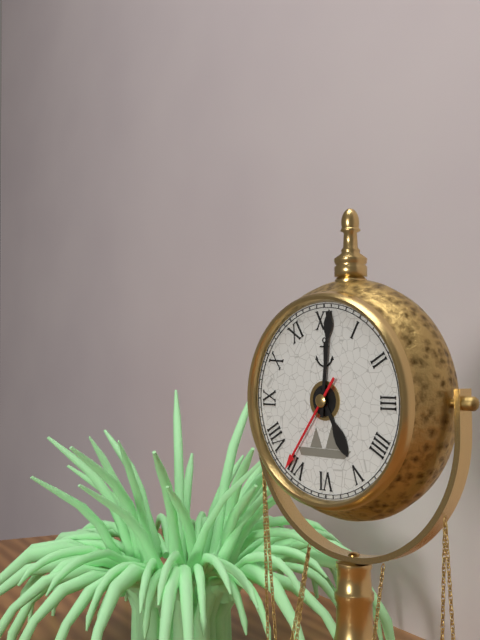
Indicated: 5 h 01 min 36 s
